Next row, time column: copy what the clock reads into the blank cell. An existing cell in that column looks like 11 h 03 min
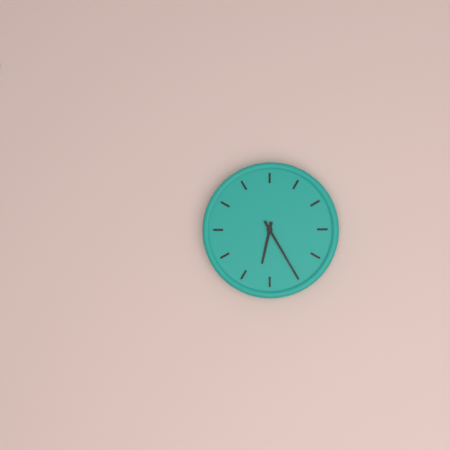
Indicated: 6 h 25 min
